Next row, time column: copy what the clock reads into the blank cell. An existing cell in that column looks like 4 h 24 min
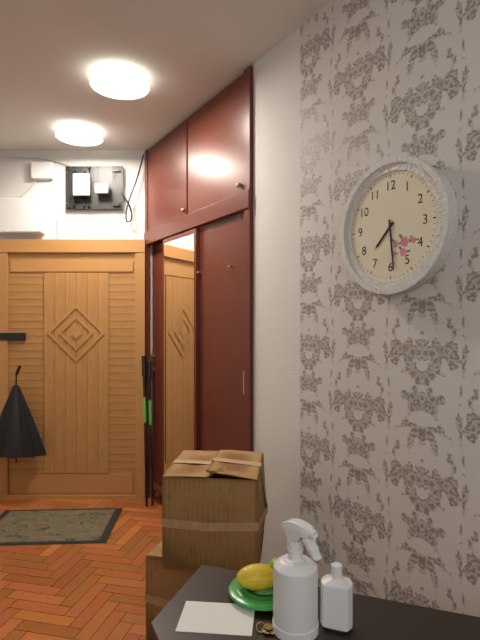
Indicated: 7 h 29 min
